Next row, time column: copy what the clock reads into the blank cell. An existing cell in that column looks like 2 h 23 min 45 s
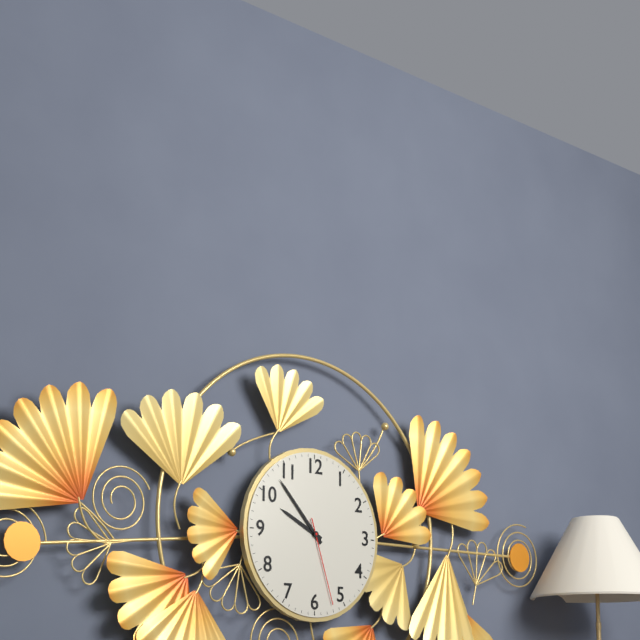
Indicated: 9 h 53 min 27 s
